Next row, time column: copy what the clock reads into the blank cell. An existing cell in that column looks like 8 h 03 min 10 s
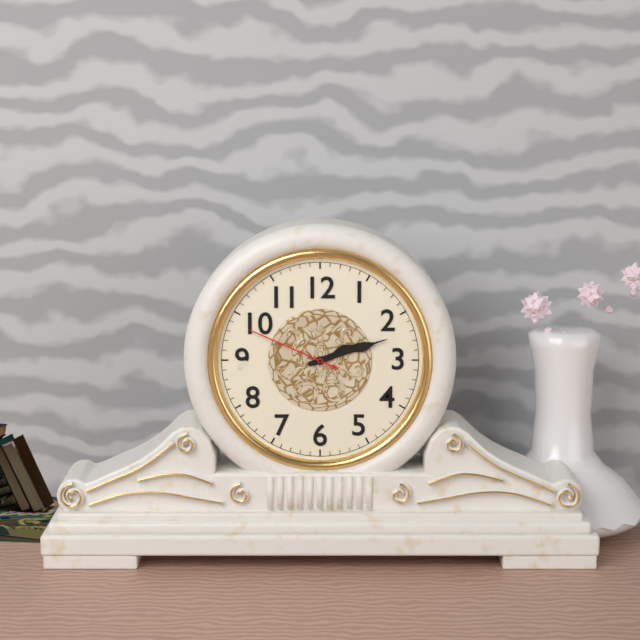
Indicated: 2 h 12 min 49 s
